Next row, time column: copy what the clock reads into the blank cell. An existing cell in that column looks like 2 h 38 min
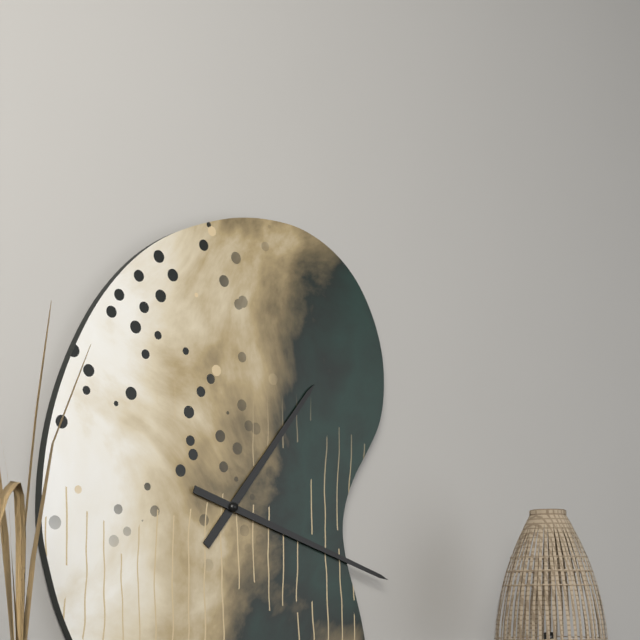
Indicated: 1 h 18 min
